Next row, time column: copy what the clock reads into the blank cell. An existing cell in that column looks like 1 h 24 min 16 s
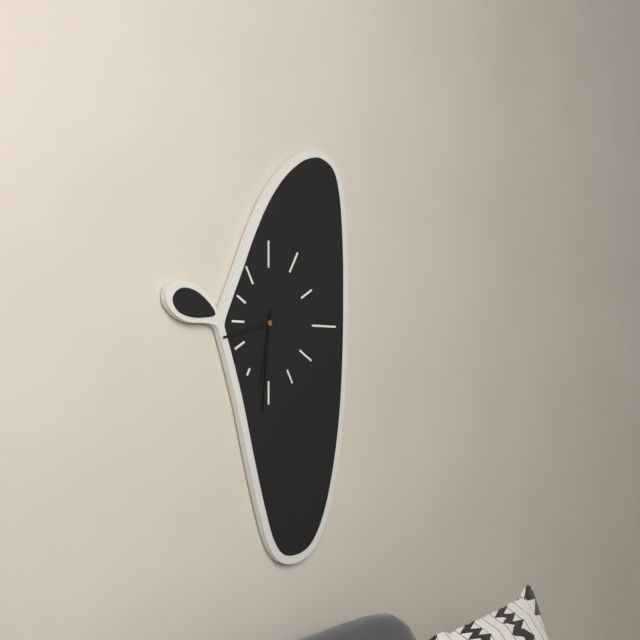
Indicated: 8 h 31 min 32 s
